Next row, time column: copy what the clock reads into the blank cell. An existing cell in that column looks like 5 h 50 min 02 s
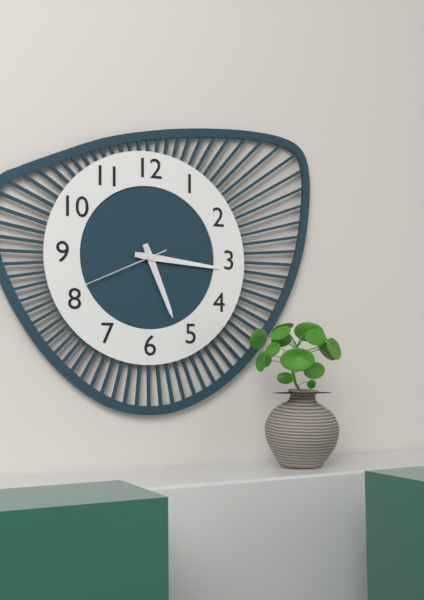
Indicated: 5 h 16 min 41 s
